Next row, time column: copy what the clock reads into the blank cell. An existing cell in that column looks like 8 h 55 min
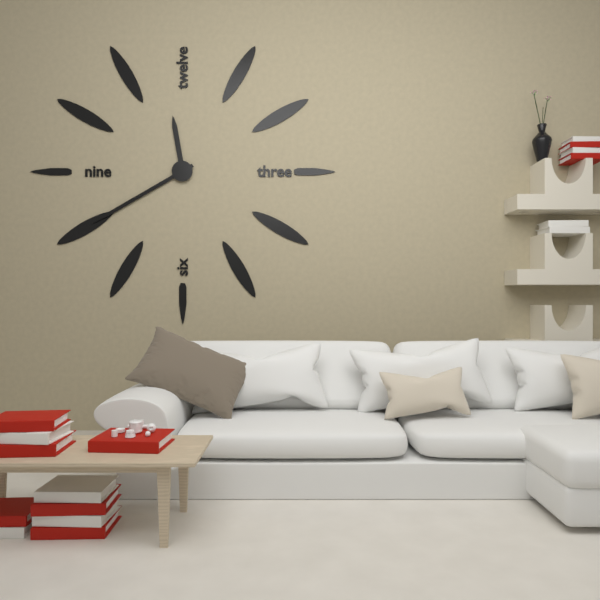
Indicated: 11 h 40 min
